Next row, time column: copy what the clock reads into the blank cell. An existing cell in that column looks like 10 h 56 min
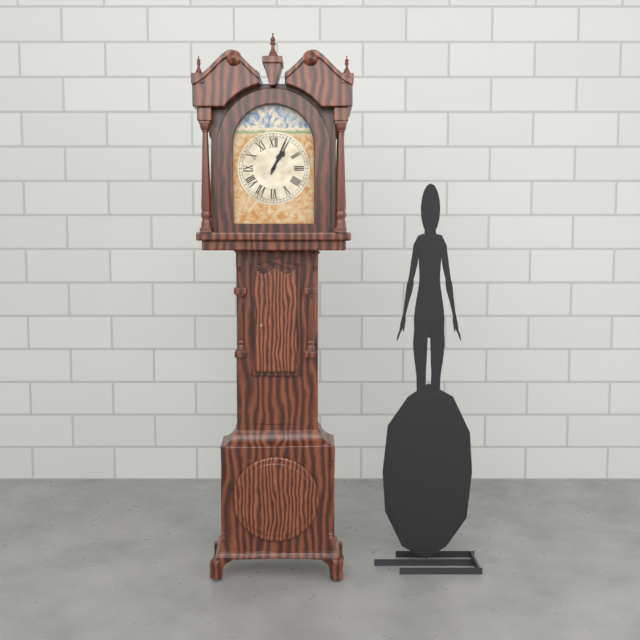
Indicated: 1 h 04 min
